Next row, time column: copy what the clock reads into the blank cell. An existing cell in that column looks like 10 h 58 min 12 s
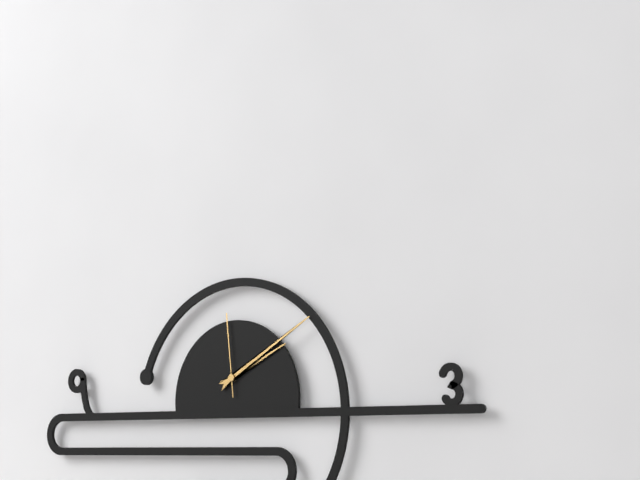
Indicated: 2 h 10 min 59 s
